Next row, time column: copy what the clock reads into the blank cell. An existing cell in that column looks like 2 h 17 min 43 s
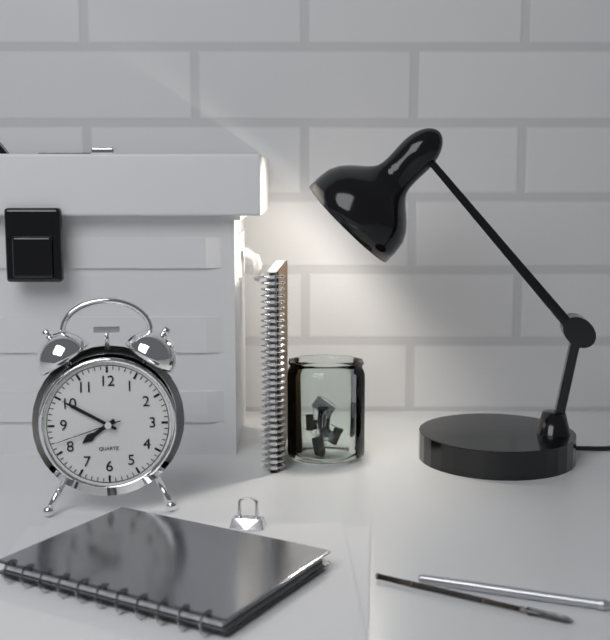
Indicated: 7 h 50 min 42 s
